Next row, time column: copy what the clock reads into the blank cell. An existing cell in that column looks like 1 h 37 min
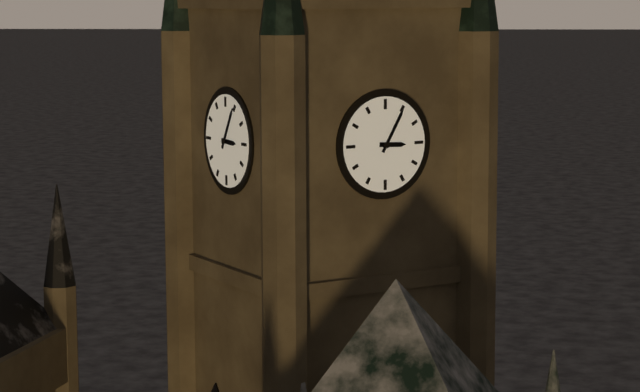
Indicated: 3 h 05 min
